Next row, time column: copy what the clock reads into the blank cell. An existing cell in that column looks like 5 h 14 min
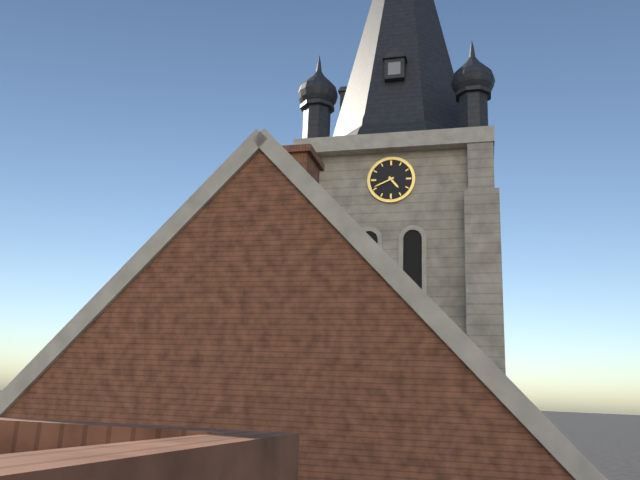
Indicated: 4 h 41 min
